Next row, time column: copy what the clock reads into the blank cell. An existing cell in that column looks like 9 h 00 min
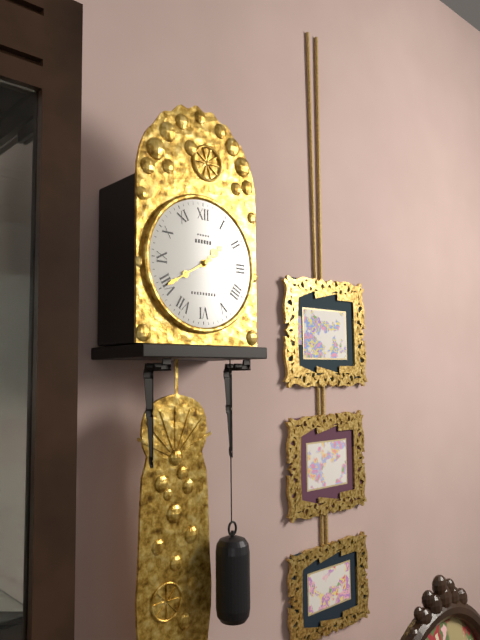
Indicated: 1 h 40 min
